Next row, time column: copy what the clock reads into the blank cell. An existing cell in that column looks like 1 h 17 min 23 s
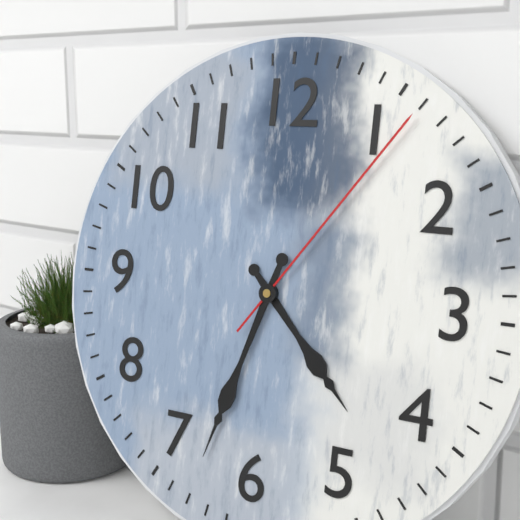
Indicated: 4 h 33 min 06 s
